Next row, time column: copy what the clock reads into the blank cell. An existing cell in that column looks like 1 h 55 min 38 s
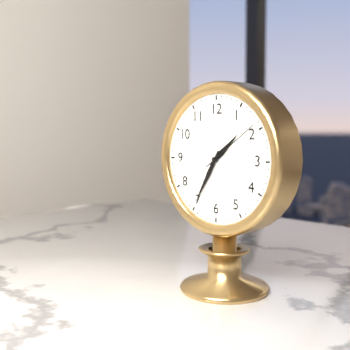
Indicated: 1 h 35 min 09 s
